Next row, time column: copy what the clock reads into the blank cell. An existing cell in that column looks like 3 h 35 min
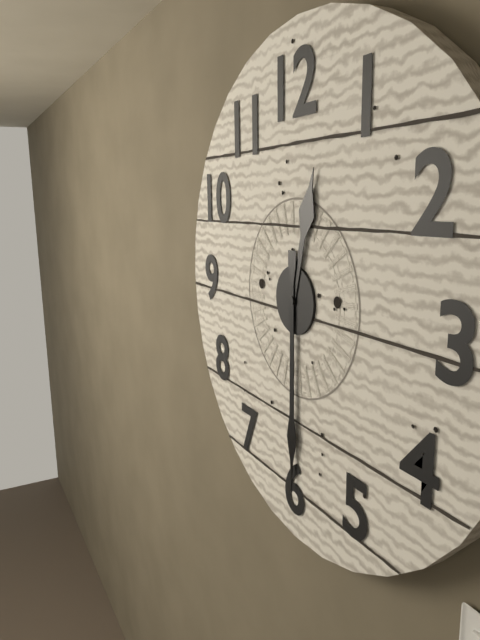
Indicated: 12 h 30 min
